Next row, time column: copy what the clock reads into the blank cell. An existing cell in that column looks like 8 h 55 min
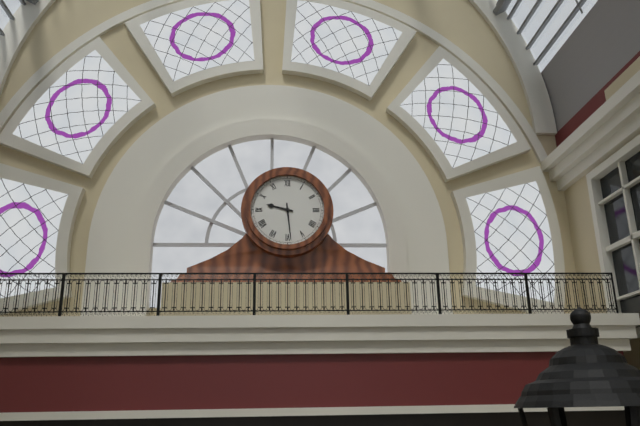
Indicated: 9 h 29 min
